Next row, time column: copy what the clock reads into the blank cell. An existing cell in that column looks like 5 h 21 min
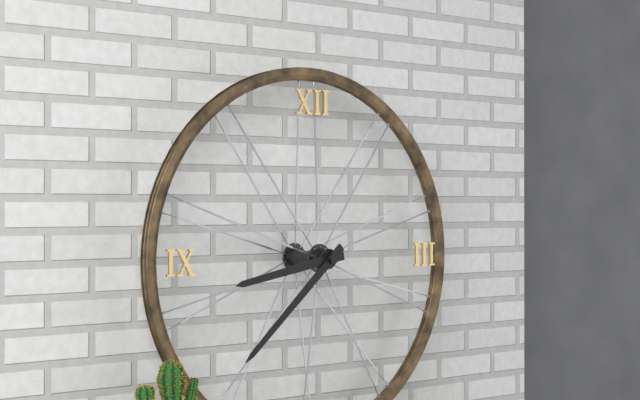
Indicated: 8 h 38 min
